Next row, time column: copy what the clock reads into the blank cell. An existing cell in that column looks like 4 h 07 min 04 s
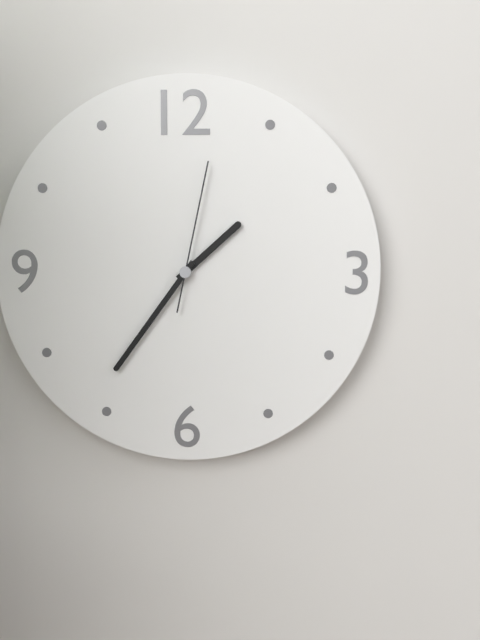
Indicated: 1 h 36 min 02 s
